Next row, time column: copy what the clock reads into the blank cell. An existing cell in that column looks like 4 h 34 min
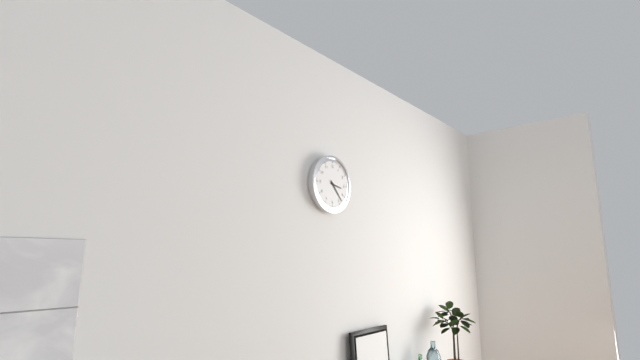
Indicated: 3 h 23 min
